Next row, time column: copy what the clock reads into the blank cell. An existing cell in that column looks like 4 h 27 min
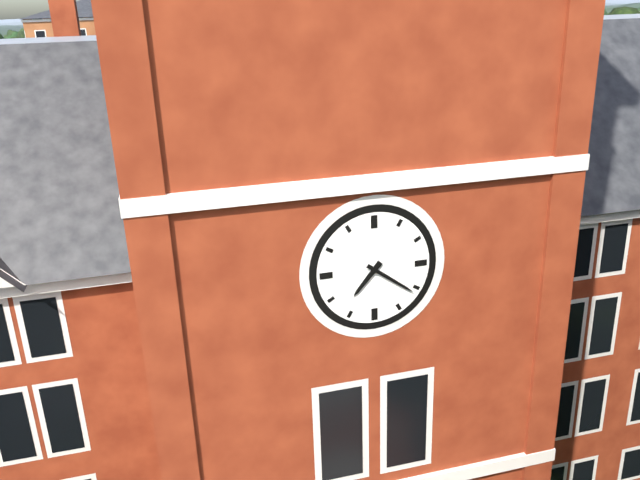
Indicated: 7 h 21 min
